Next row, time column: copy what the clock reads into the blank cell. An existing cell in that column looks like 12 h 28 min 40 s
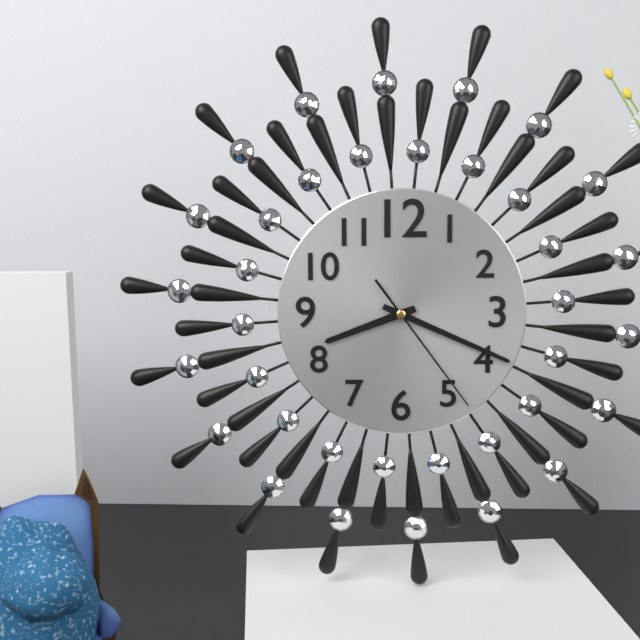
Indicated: 8 h 19 min 24 s
